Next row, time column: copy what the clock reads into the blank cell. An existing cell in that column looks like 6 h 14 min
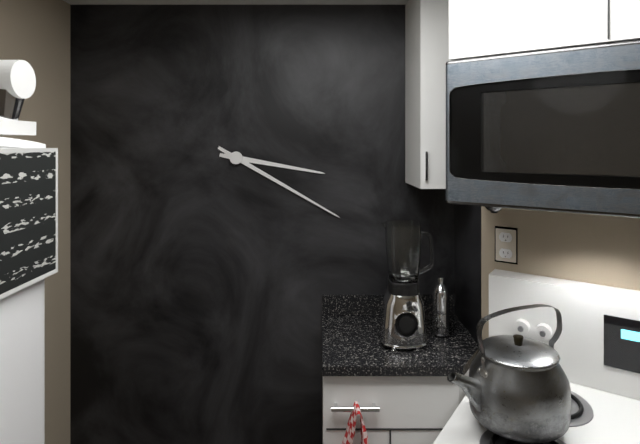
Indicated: 3 h 20 min
